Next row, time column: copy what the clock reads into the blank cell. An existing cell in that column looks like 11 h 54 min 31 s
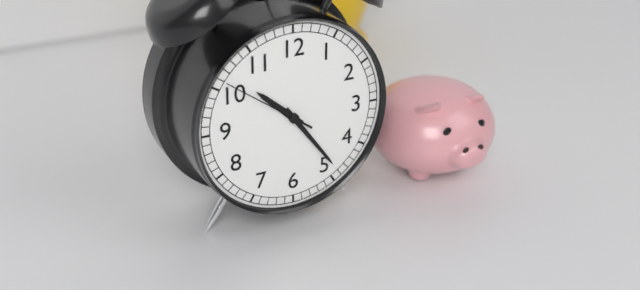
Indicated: 10 h 24 min 51 s
